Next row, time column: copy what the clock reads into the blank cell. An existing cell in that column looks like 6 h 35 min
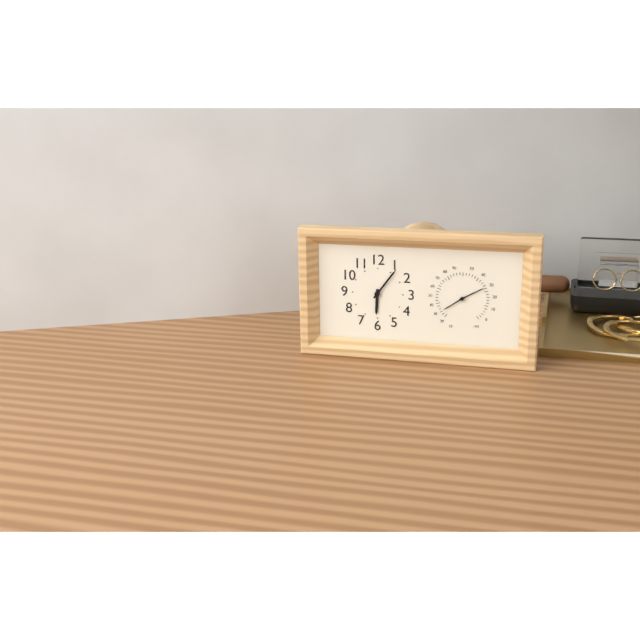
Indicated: 6 h 06 min
